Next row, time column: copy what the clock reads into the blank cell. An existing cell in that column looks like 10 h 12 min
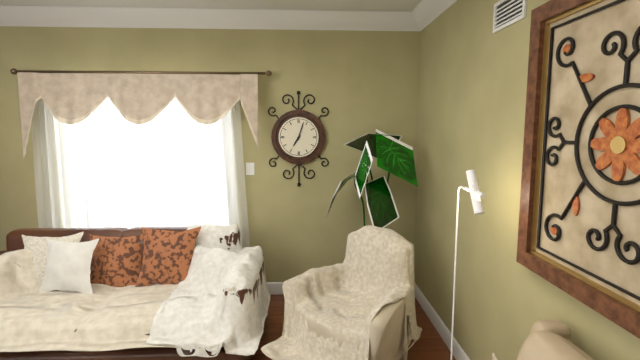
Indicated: 7 h 03 min
